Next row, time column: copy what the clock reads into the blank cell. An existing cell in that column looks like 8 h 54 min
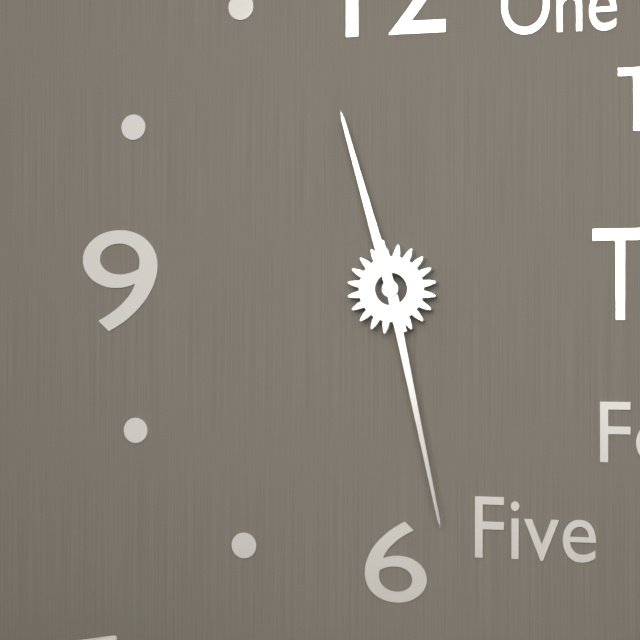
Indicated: 11 h 28 min
